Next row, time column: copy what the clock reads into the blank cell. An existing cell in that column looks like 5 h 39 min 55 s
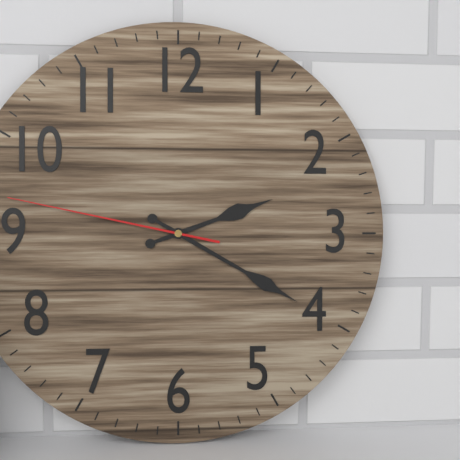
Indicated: 2 h 20 min 47 s
